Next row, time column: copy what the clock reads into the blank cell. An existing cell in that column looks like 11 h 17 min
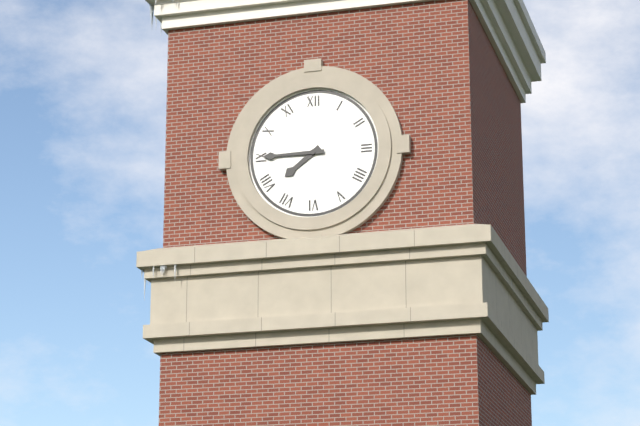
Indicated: 7 h 45 min
